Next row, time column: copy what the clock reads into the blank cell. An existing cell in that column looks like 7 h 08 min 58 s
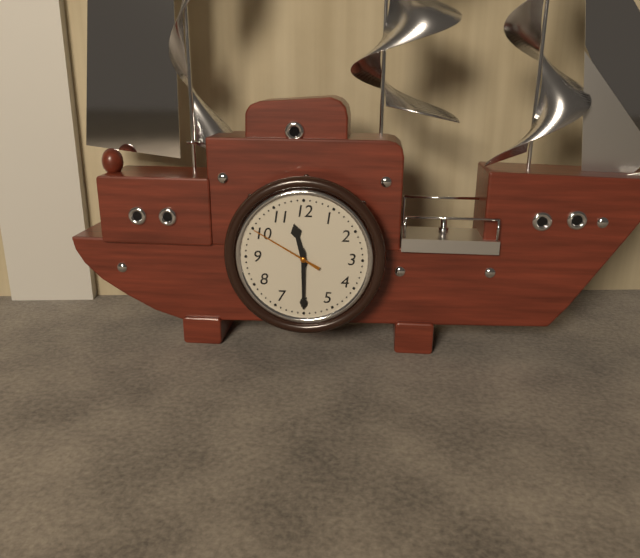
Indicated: 11 h 30 min 50 s
